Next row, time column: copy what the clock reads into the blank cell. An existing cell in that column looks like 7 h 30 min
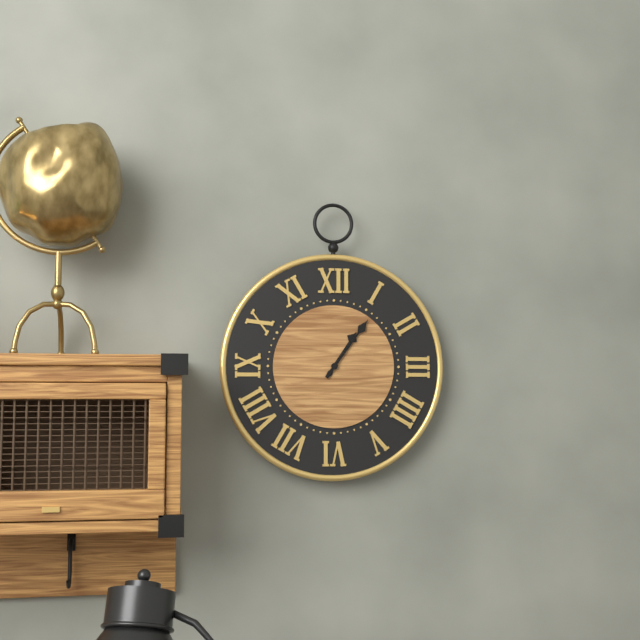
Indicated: 1 h 06 min
